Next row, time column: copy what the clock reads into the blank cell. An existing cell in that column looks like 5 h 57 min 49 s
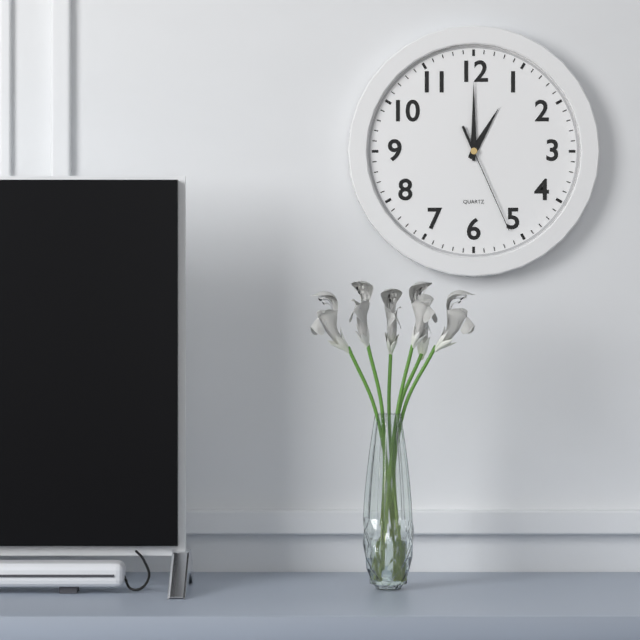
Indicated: 1 h 00 min 26 s
